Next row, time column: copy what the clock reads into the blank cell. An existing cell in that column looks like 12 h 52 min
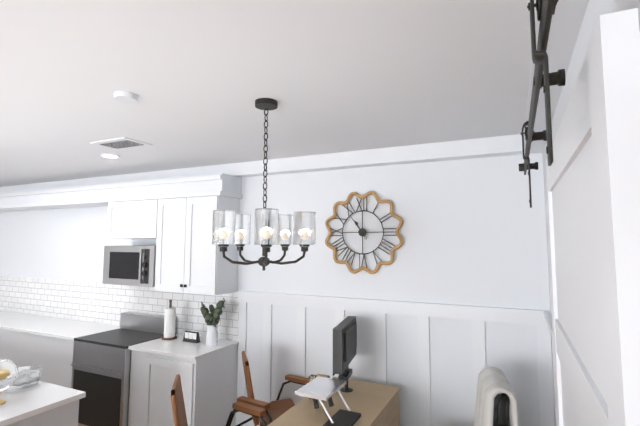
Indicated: 10 h 54 min
